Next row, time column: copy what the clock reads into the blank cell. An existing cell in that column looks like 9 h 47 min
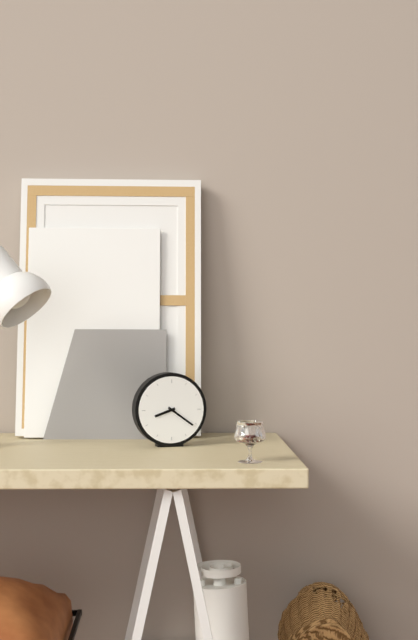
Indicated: 8 h 21 min
